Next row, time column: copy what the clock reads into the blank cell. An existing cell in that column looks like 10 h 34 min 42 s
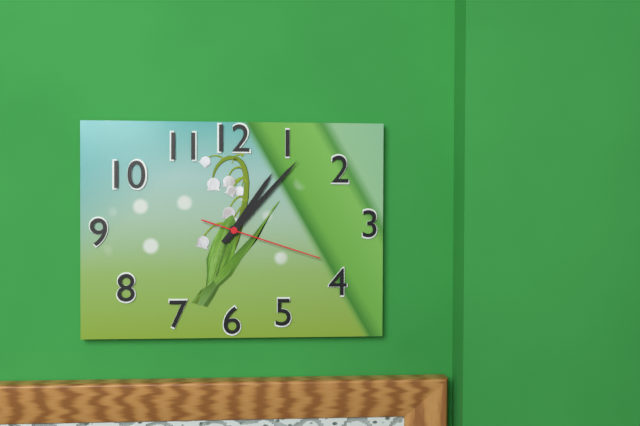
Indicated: 1 h 07 min 18 s
